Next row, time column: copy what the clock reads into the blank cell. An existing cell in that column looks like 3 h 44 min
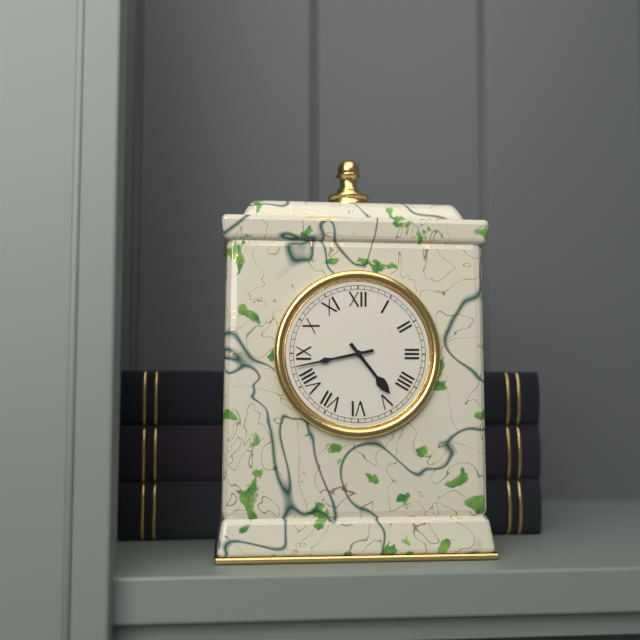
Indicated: 4 h 43 min
